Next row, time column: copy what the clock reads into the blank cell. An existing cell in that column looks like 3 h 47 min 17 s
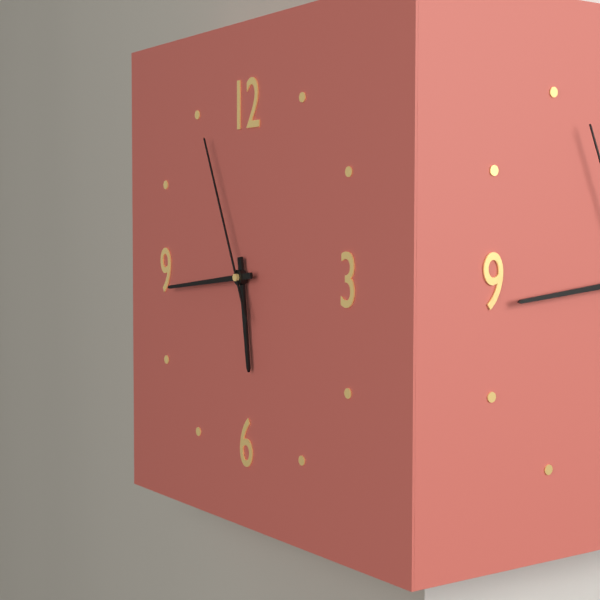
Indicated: 5 h 44 min 56 s
